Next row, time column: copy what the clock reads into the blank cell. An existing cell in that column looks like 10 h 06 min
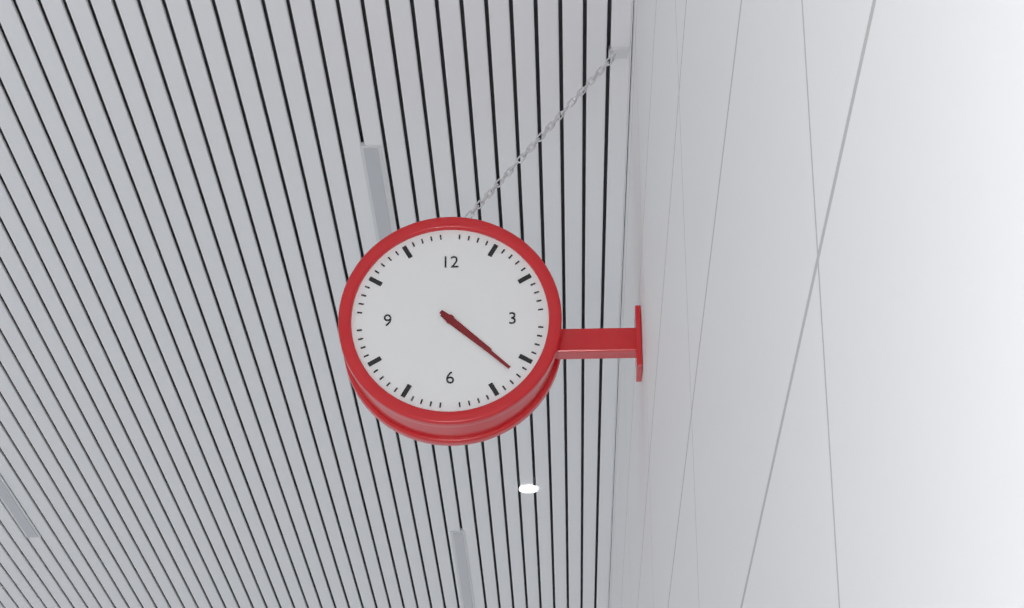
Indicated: 4 h 22 min
